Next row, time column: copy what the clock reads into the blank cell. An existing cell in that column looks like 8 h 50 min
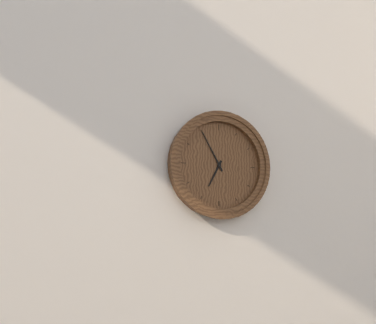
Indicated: 6 h 55 min
